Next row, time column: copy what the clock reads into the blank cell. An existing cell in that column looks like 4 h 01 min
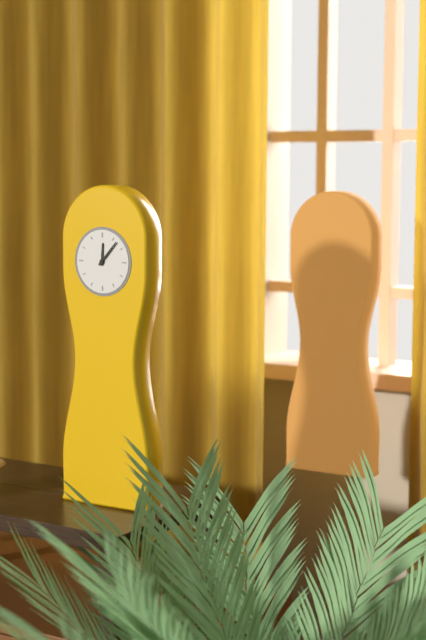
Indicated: 12 h 07 min
